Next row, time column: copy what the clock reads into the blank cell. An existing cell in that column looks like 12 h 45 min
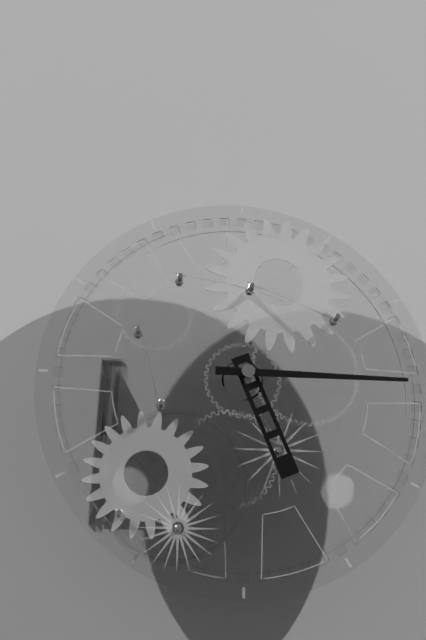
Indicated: 5 h 15 min
